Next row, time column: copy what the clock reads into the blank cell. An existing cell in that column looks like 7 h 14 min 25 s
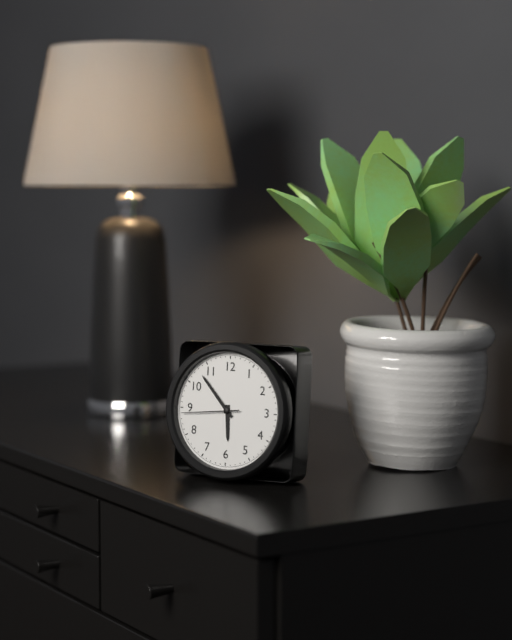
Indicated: 5 h 53 min 44 s
